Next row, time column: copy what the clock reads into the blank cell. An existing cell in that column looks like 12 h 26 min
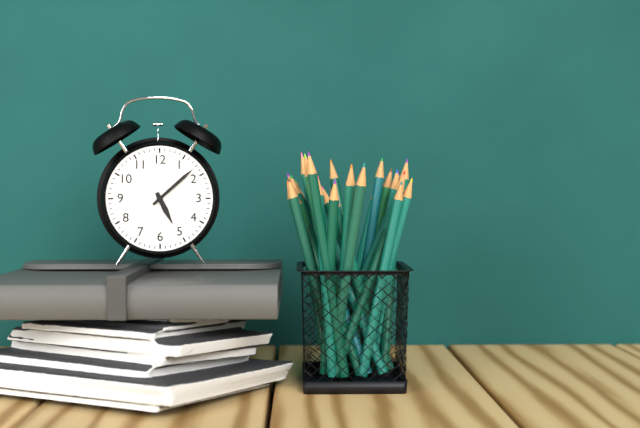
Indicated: 5 h 08 min
